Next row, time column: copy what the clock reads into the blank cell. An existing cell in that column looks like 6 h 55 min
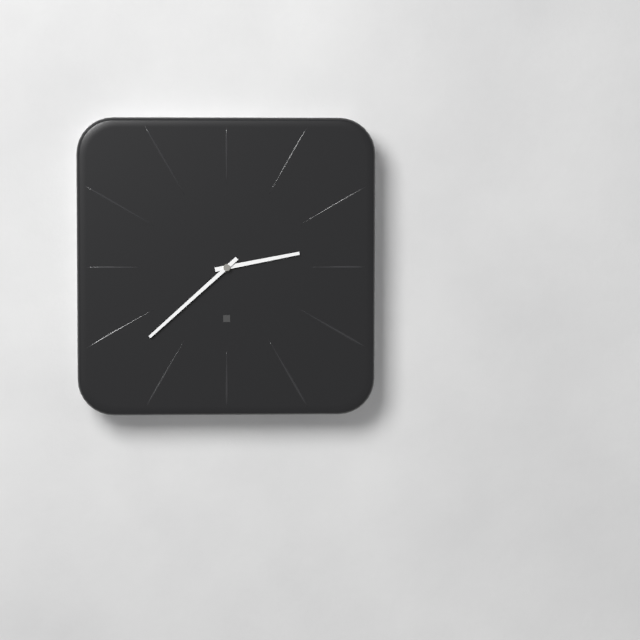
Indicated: 2 h 38 min
